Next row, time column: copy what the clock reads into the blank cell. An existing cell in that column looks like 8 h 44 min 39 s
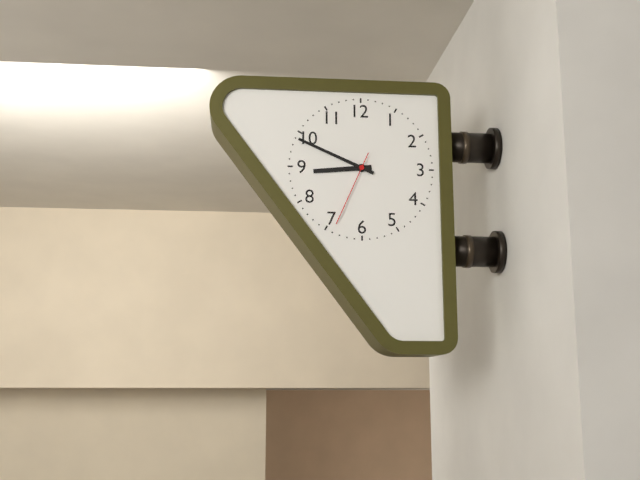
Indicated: 8 h 49 min 34 s
